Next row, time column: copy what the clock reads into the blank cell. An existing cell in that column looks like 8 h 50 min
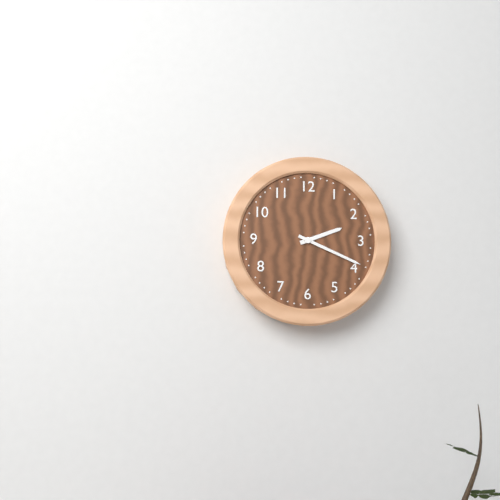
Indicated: 2 h 19 min
